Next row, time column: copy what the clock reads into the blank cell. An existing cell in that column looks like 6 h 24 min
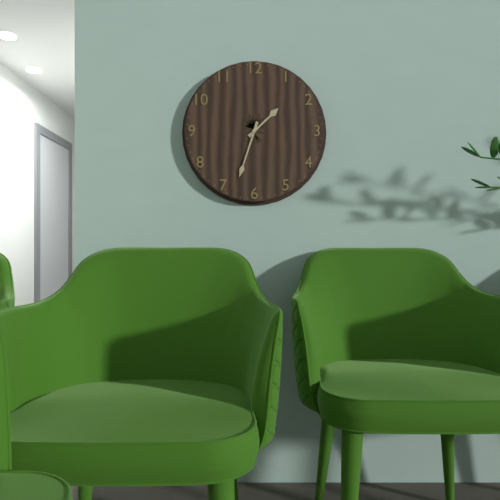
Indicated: 1 h 33 min
